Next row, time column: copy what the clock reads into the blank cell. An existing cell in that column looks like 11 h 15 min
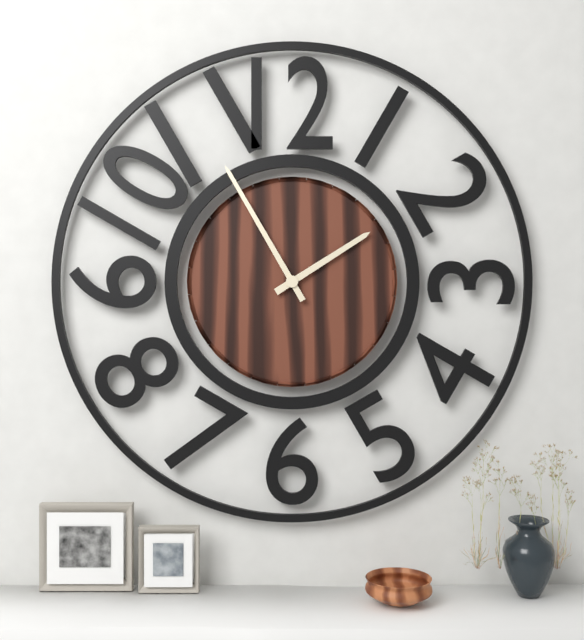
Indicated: 1 h 55 min
